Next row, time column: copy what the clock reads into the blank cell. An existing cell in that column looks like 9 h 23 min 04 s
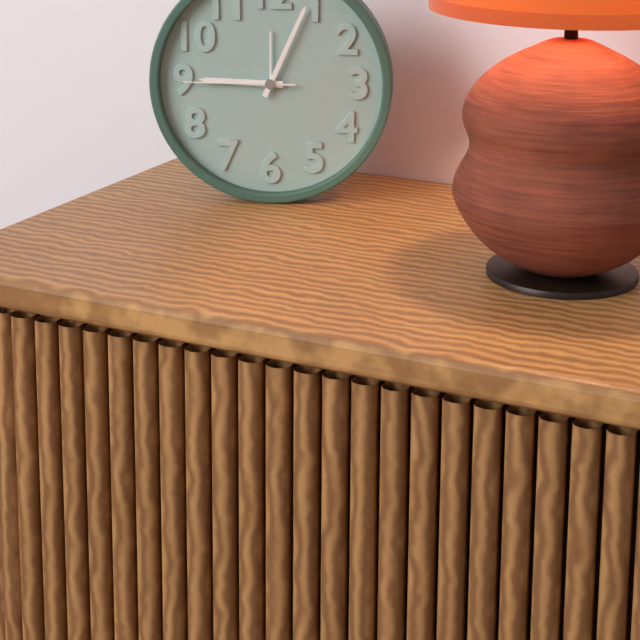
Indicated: 9 h 04 min 45 s
